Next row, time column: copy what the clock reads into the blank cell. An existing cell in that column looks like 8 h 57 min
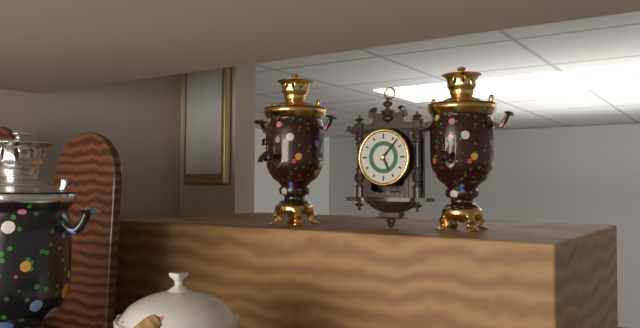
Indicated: 5 h 07 min
